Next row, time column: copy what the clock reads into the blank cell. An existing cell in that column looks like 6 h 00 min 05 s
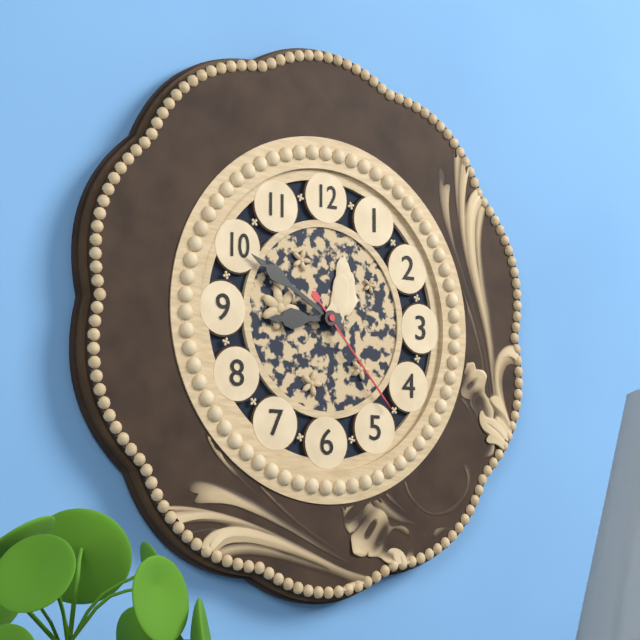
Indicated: 8 h 50 min 23 s
